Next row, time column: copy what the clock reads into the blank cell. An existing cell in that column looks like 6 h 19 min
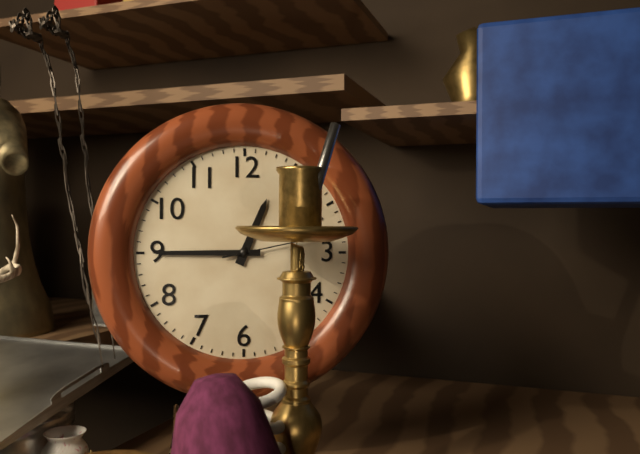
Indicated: 12 h 45 min
